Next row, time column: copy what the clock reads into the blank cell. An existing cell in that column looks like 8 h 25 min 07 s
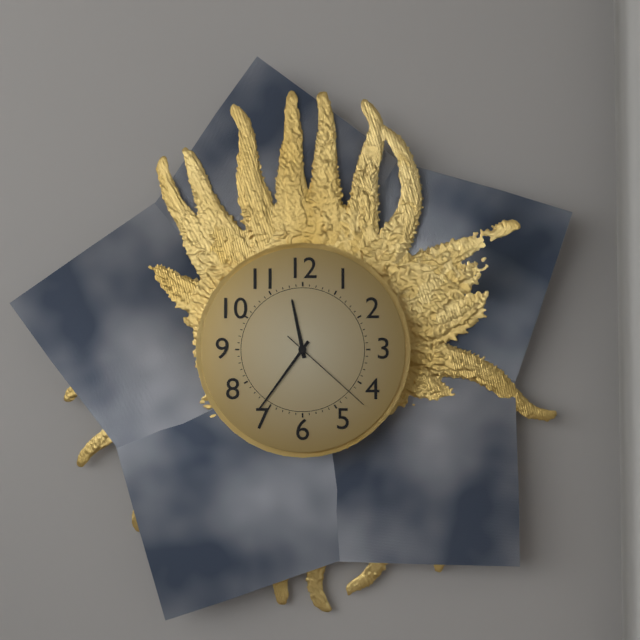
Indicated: 11 h 36 min 22 s
